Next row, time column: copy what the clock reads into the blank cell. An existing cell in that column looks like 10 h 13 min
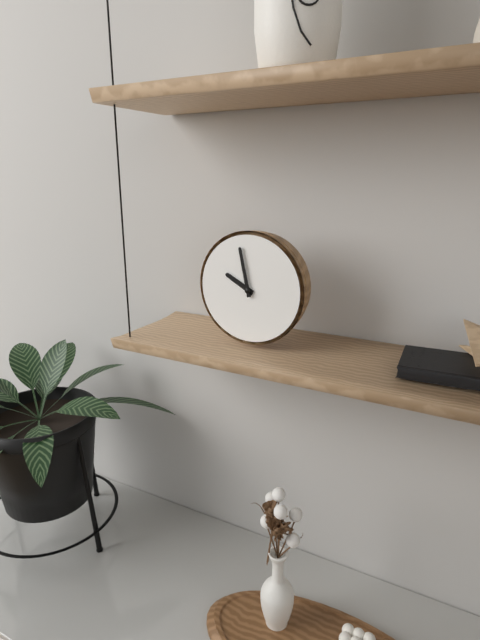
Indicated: 9 h 58 min
